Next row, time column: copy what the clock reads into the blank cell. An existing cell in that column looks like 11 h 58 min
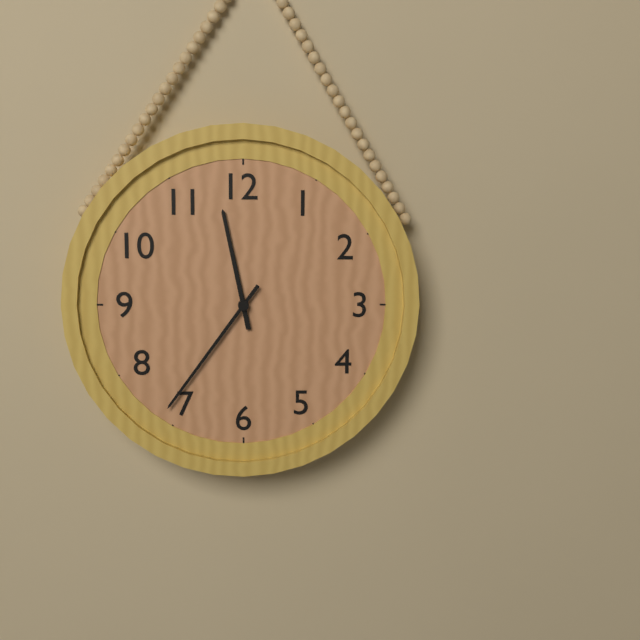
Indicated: 11 h 36 min
